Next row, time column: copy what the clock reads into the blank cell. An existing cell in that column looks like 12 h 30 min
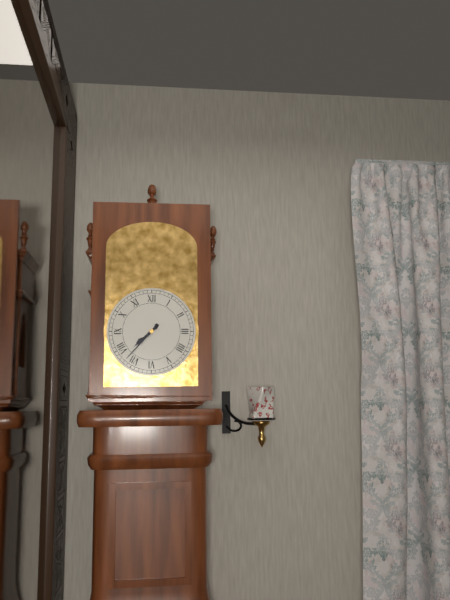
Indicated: 7 h 37 min
